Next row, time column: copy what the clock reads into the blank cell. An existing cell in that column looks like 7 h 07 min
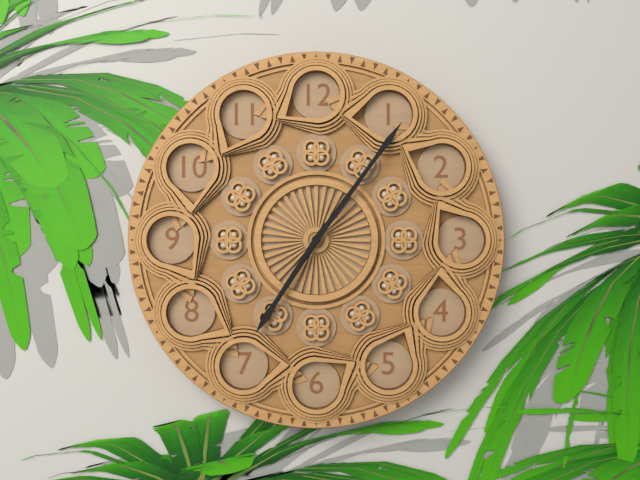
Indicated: 7 h 06 min
